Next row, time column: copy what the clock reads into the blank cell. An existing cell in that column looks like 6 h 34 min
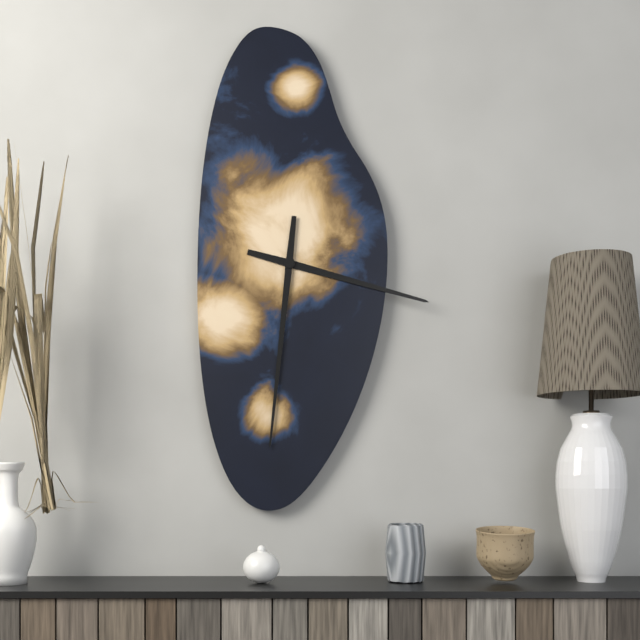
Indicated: 3 h 31 min
